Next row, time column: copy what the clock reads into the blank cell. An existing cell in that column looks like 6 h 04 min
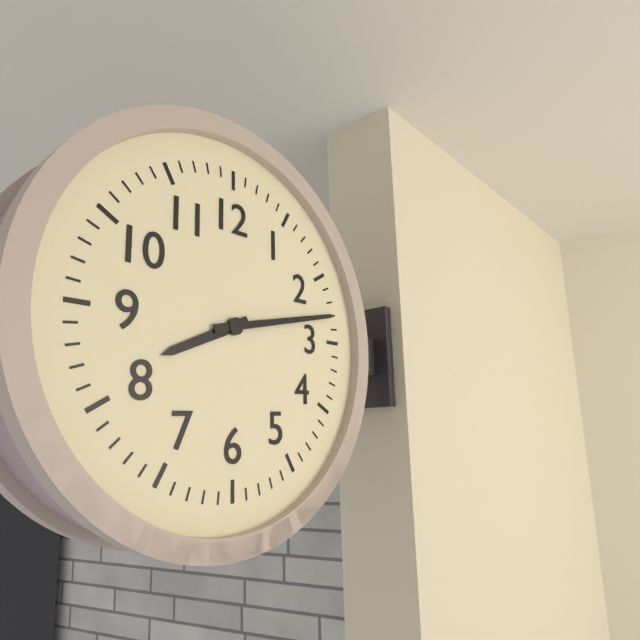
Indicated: 8 h 13 min
